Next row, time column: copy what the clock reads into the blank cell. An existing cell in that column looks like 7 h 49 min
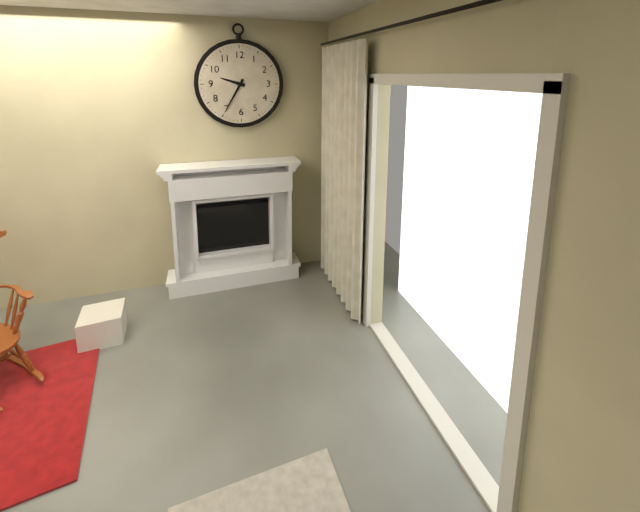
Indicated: 9 h 35 min
